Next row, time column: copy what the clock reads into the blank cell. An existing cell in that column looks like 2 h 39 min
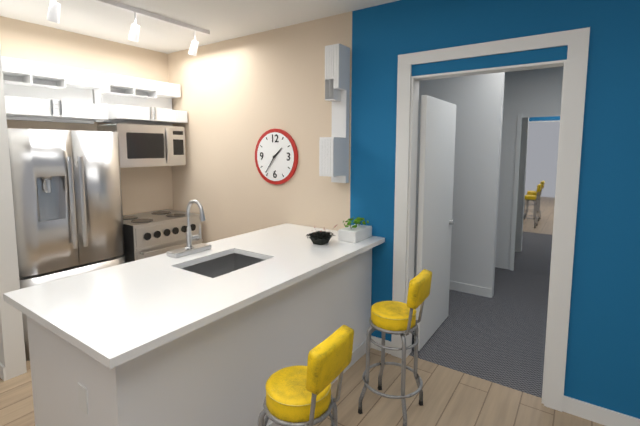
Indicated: 1 h 36 min
